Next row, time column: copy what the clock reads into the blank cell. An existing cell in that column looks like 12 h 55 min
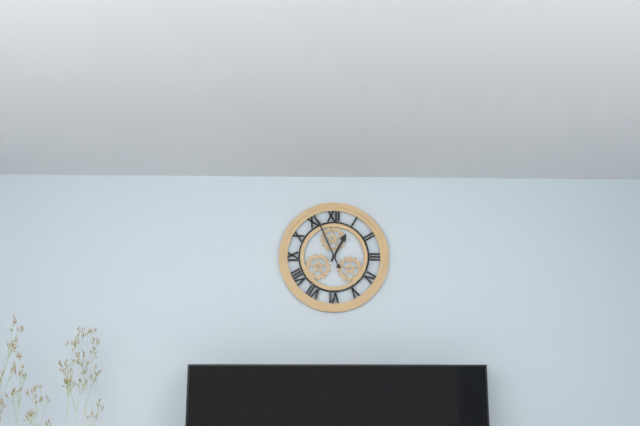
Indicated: 12 h 56 min
